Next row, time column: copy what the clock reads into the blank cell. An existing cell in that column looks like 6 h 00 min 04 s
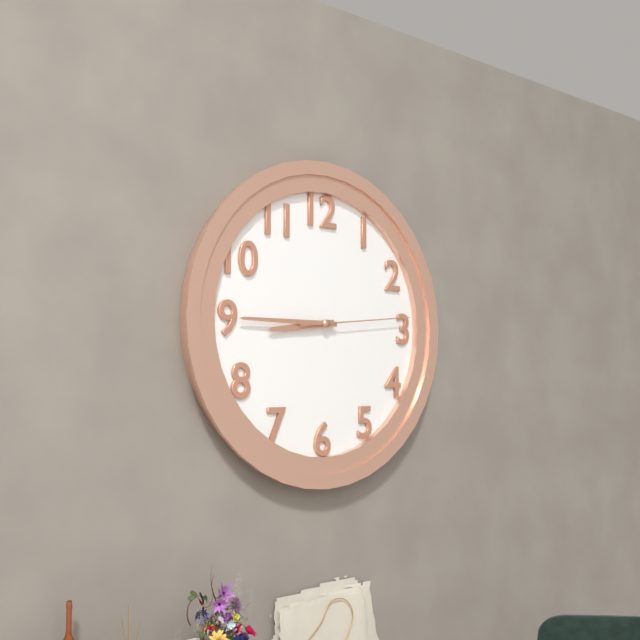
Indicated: 8 h 45 min 14 s
